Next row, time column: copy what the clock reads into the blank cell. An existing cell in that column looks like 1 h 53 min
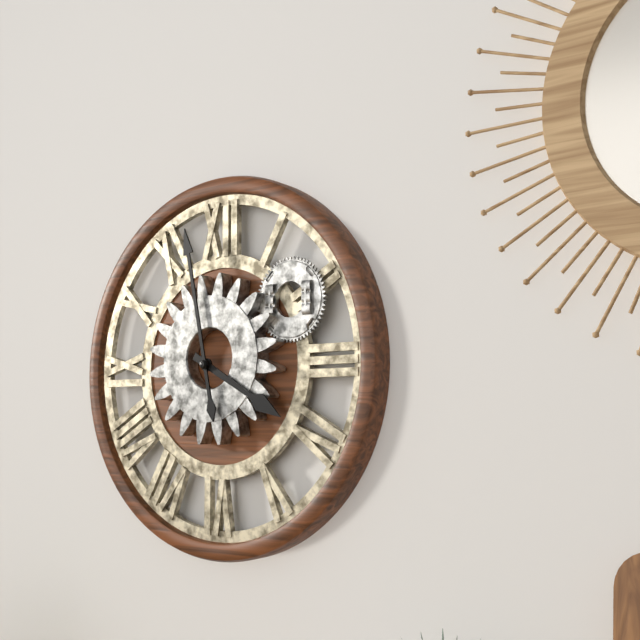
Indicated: 3 h 58 min
